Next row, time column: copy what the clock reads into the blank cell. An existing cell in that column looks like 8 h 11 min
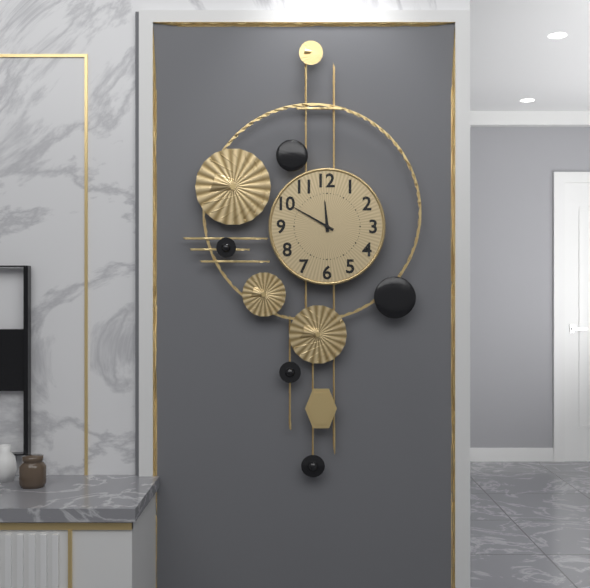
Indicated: 11 h 50 min
